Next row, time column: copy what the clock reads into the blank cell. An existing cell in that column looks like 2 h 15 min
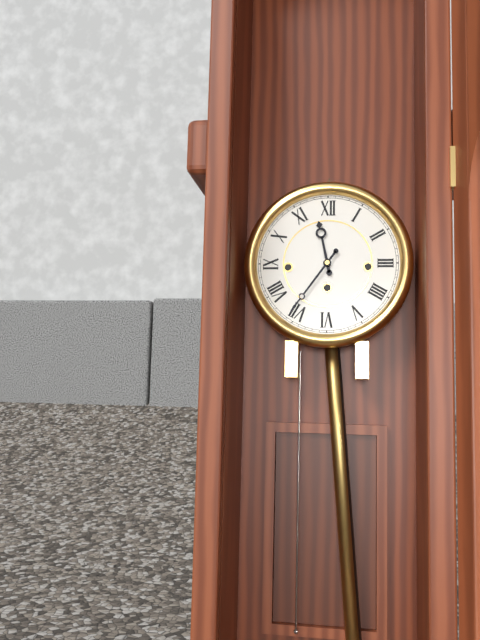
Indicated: 11 h 36 min
